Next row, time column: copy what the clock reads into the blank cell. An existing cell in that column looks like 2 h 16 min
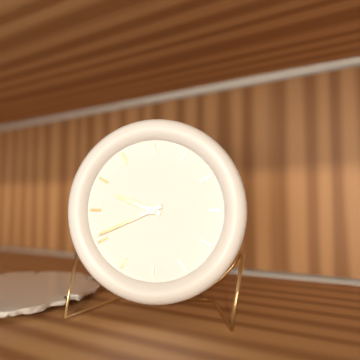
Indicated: 9 h 41 min
